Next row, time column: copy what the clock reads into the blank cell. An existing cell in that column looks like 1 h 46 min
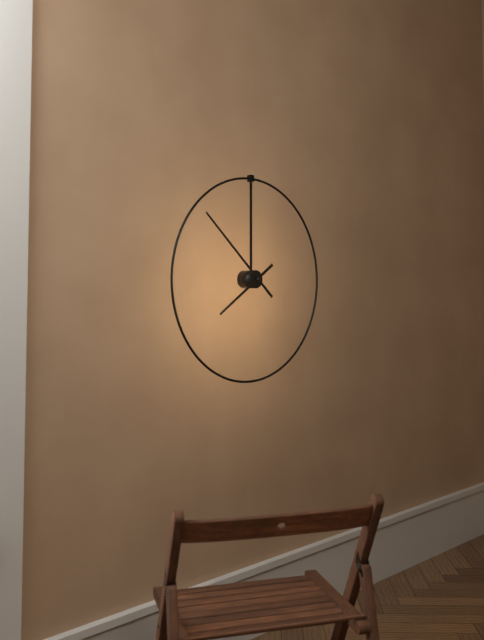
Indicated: 7 h 52 min
